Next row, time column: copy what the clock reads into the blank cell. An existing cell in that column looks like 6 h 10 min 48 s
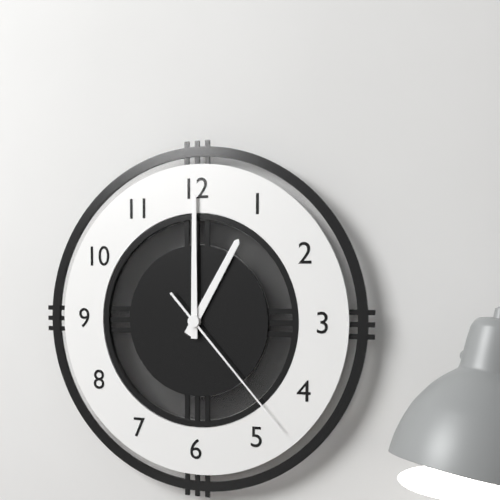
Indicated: 1 h 00 min 23 s
